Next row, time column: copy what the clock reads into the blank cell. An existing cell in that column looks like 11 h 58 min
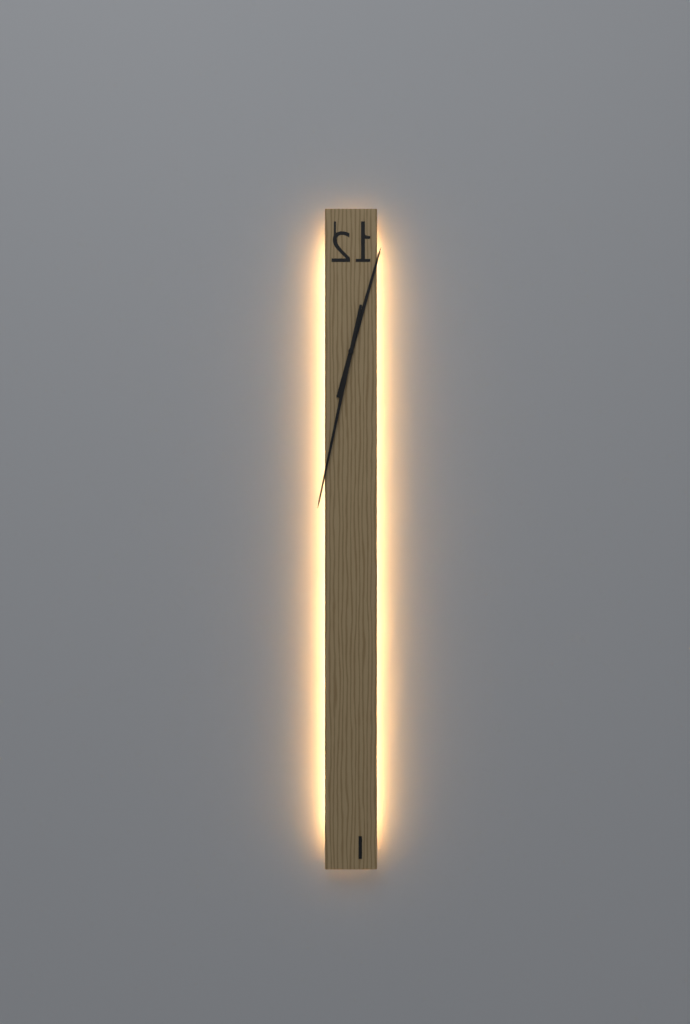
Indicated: 12 h 32 min
